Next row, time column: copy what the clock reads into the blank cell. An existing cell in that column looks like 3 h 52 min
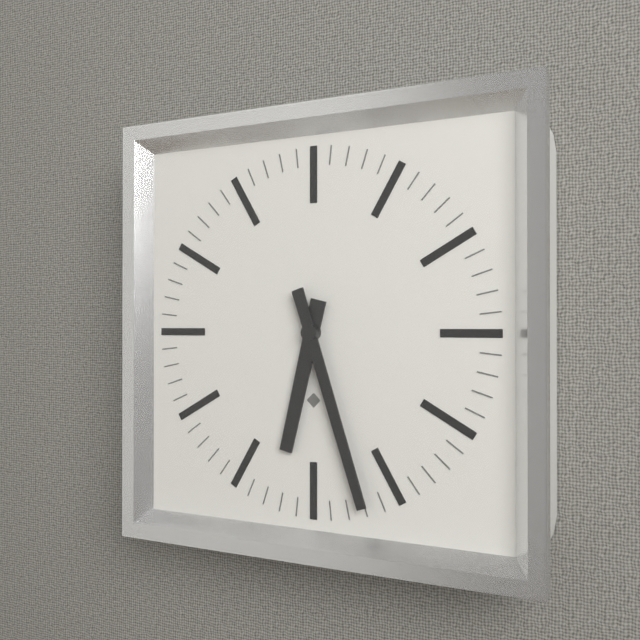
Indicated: 6 h 27 min
